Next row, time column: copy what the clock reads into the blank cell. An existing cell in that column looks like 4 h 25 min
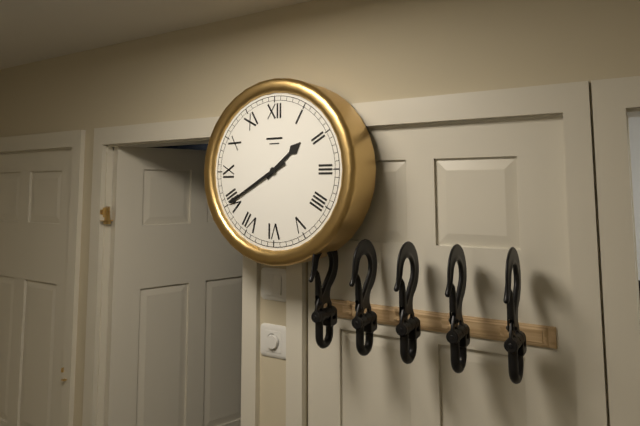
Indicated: 1 h 40 min
